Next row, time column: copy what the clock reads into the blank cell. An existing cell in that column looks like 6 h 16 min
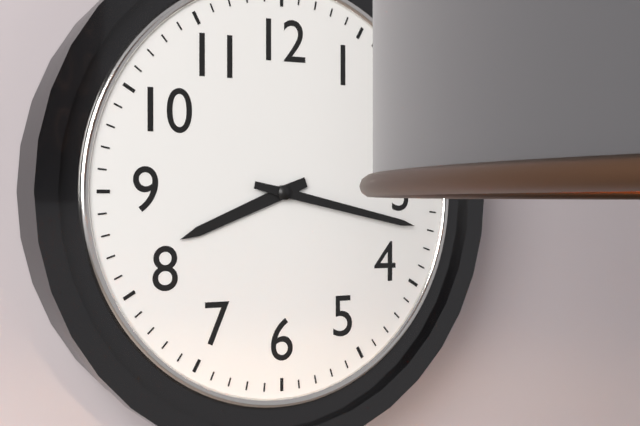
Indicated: 8 h 17 min
